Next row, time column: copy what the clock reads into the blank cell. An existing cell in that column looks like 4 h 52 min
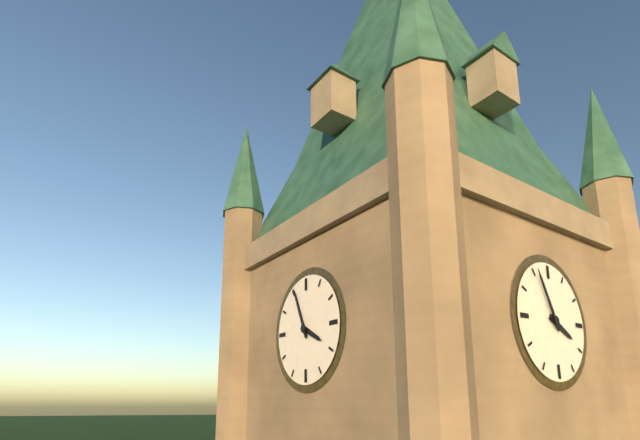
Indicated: 3 h 56 min
